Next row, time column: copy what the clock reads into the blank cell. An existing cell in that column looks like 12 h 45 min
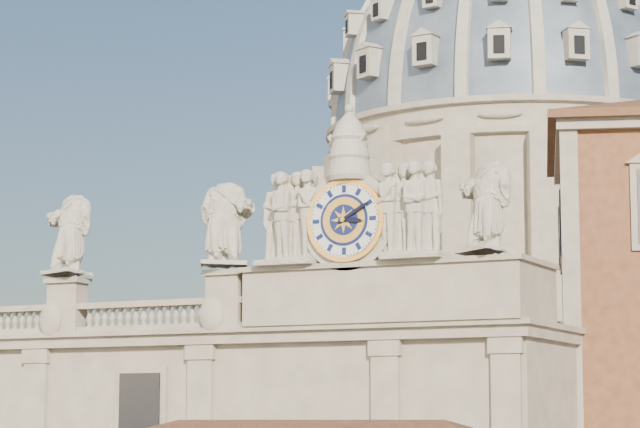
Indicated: 3 h 10 min
